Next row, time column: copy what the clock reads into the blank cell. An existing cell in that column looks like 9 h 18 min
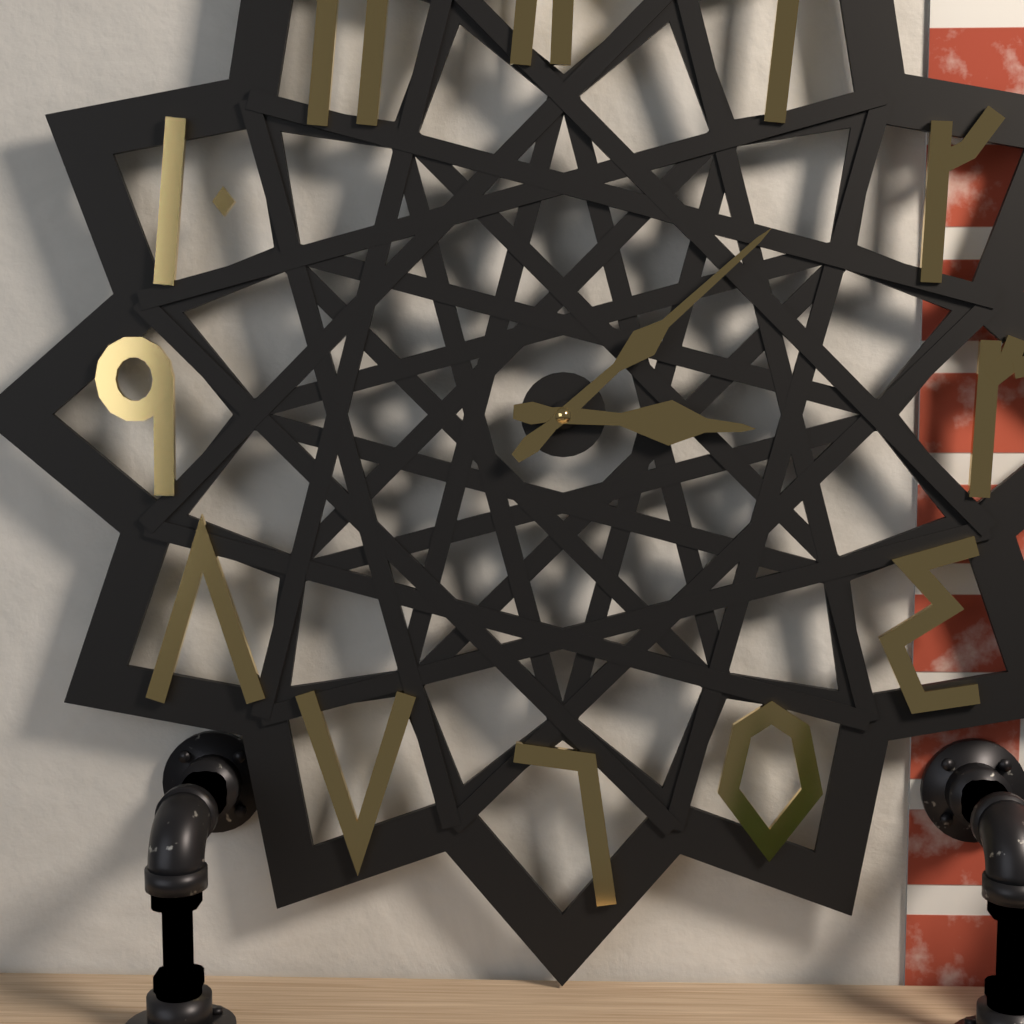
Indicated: 3 h 08 min
